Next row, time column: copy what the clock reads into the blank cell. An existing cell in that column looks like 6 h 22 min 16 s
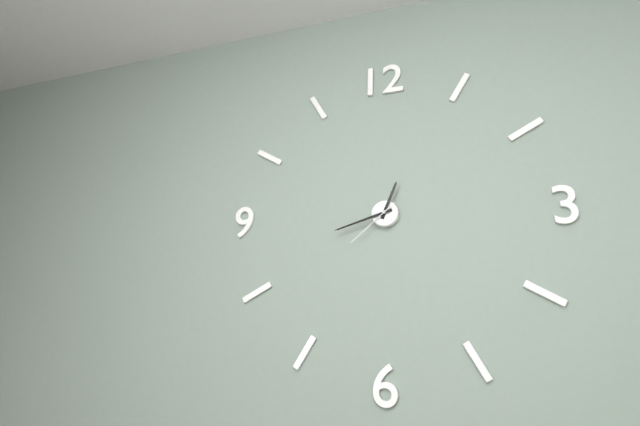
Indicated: 12 h 42 min 38 s
